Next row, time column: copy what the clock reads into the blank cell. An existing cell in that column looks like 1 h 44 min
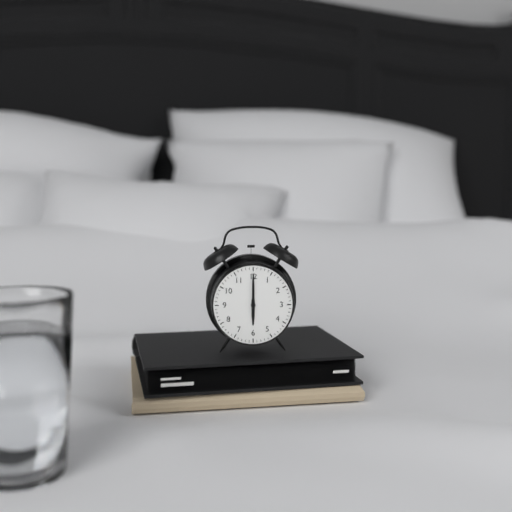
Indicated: 6 h 00 min
